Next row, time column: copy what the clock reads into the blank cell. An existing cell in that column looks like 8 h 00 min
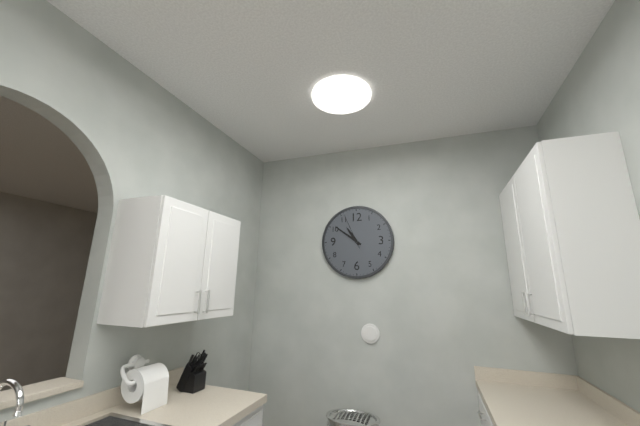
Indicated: 10 h 51 min
